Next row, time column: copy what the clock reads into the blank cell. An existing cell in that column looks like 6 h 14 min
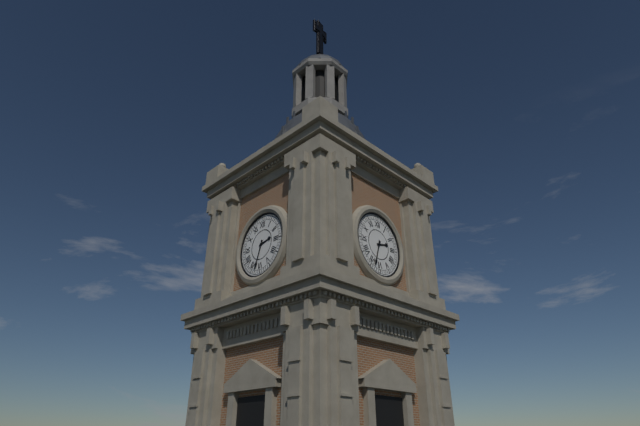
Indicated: 2 h 33 min
